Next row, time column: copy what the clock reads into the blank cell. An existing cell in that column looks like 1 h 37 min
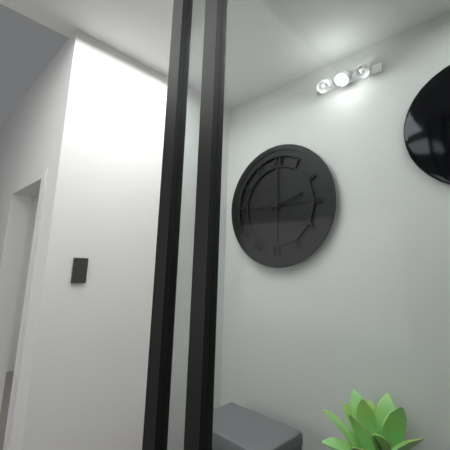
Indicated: 2 h 20 min
